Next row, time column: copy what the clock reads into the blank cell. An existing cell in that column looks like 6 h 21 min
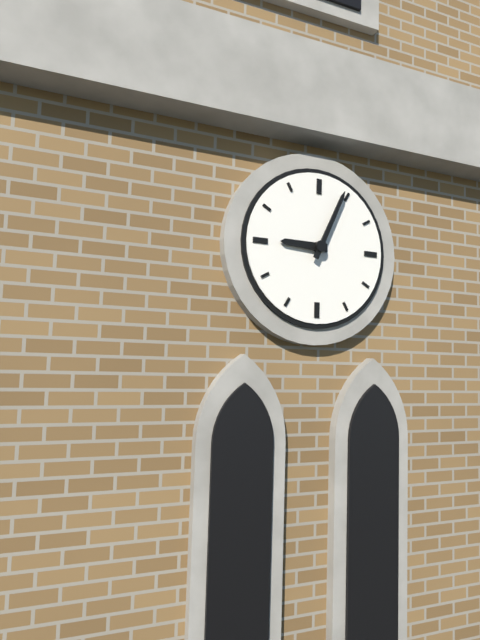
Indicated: 9 h 04 min
